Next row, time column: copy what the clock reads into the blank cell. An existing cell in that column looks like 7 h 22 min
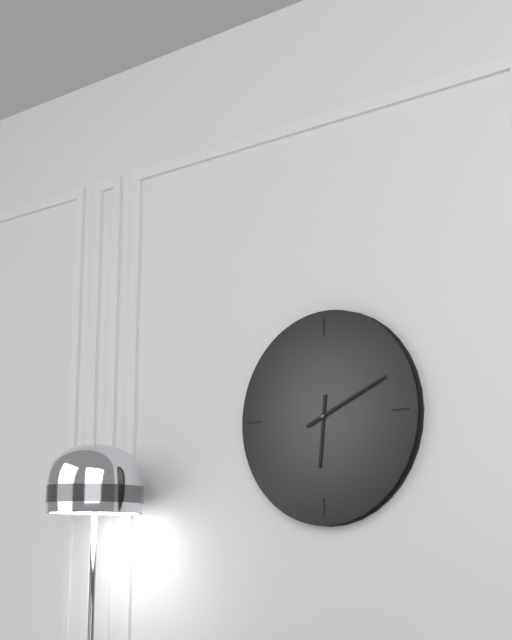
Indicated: 6 h 11 min
